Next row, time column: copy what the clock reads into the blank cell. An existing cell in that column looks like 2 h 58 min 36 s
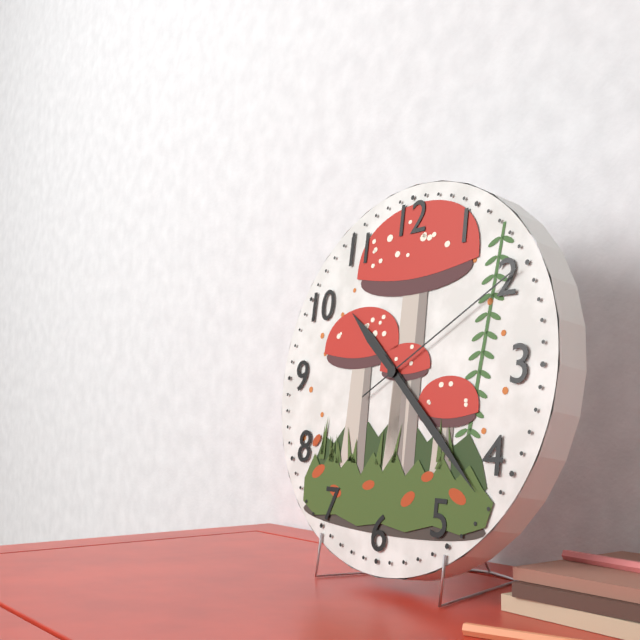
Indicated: 10 h 22 min 10 s
